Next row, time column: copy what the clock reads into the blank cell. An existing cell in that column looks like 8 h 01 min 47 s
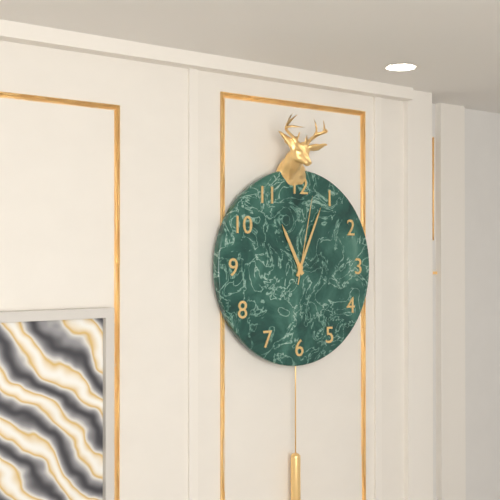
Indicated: 11 h 04 min 02 s
